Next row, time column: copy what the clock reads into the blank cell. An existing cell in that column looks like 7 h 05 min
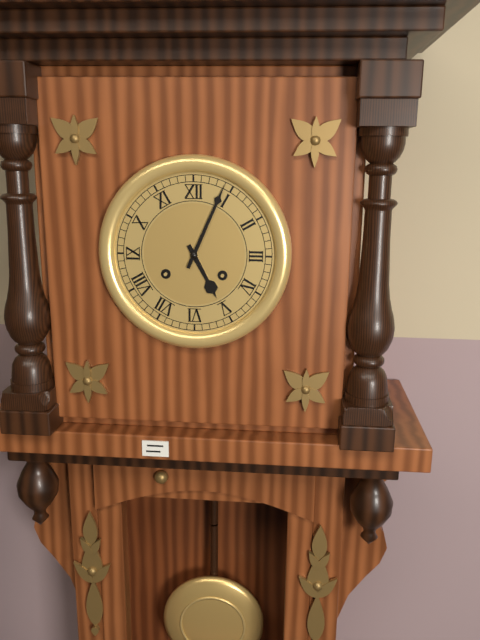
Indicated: 5 h 04 min
